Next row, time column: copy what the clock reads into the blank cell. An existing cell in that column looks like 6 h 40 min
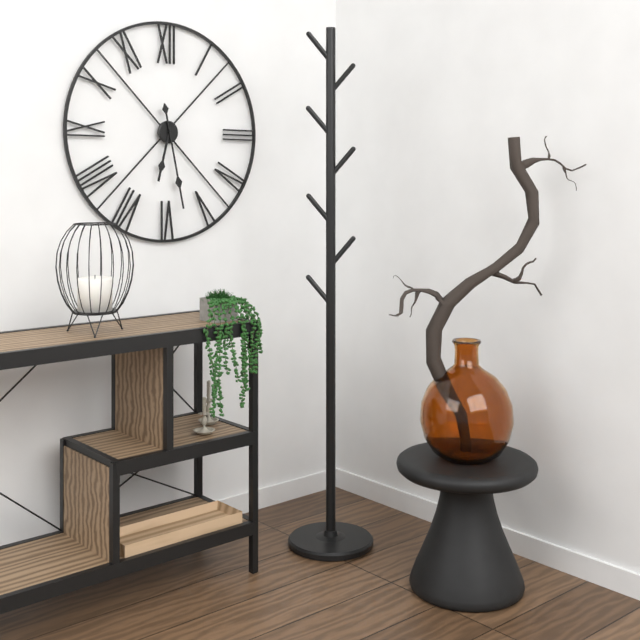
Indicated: 6 h 28 min
